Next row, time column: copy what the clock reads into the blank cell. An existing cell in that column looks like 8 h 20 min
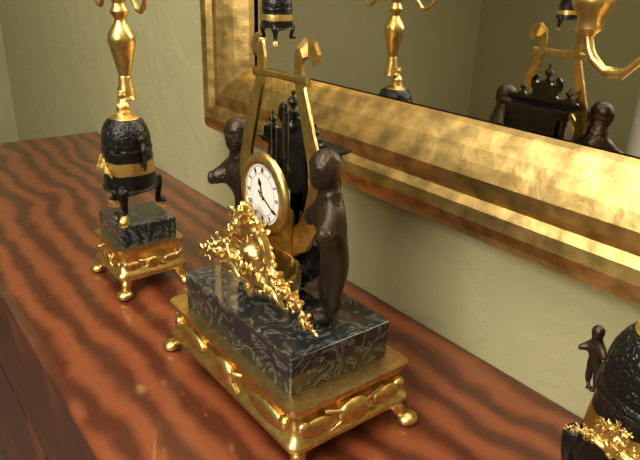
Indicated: 11 h 20 min
